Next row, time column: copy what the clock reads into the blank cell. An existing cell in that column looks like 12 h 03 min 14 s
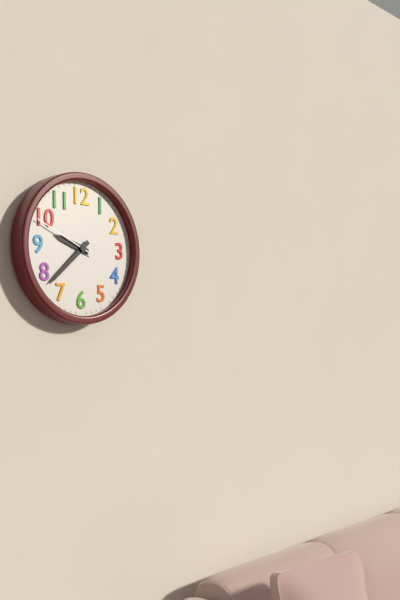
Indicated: 9 h 38 min 49 s
